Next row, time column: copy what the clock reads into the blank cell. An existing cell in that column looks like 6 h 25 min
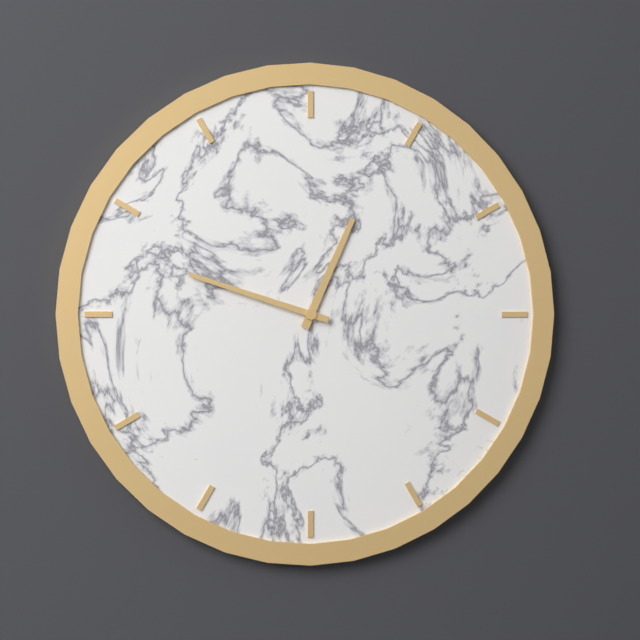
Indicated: 12 h 48 min
